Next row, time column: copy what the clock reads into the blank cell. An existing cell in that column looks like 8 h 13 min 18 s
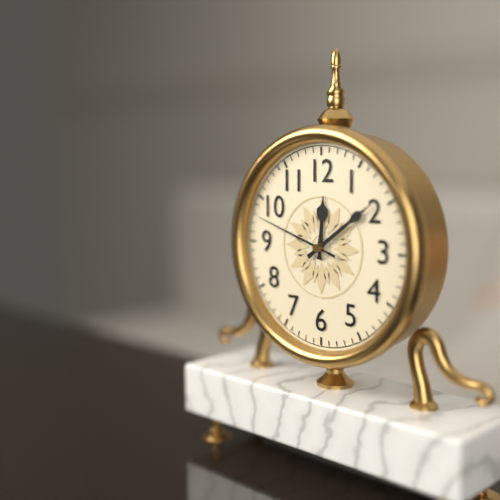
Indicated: 12 h 09 min 48 s
